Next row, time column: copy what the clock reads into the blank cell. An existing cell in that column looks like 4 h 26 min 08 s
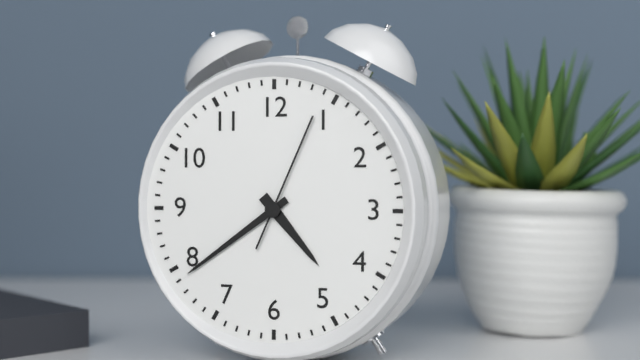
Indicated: 4 h 39 min 04 s
